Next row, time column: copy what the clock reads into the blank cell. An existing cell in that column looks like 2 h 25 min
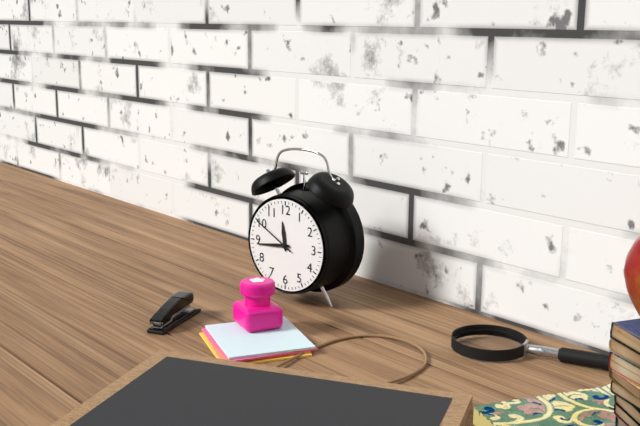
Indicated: 11 h 44 min
